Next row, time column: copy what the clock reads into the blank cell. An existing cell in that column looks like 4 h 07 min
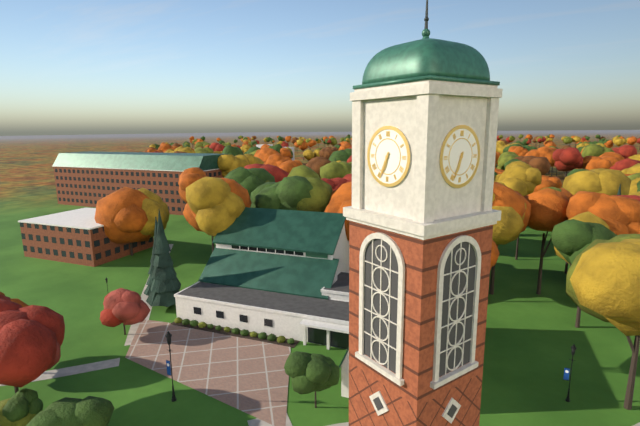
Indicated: 6 h 34 min
